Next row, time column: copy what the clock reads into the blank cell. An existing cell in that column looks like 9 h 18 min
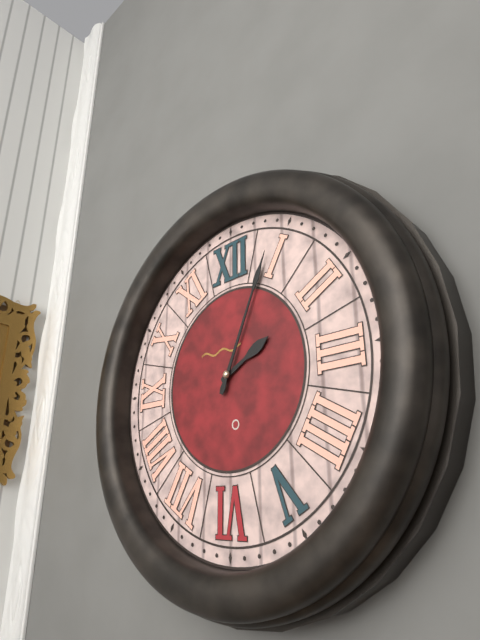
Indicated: 2 h 04 min
